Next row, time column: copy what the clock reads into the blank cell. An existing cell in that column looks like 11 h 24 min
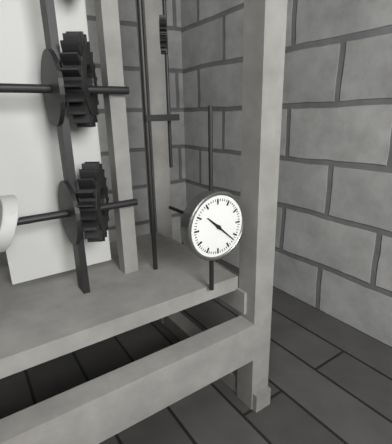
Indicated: 10 h 22 min
